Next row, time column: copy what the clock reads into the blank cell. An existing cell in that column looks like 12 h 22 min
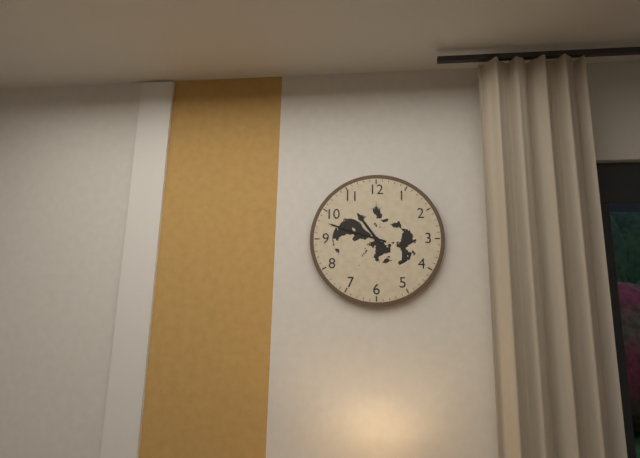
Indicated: 10 h 48 min
